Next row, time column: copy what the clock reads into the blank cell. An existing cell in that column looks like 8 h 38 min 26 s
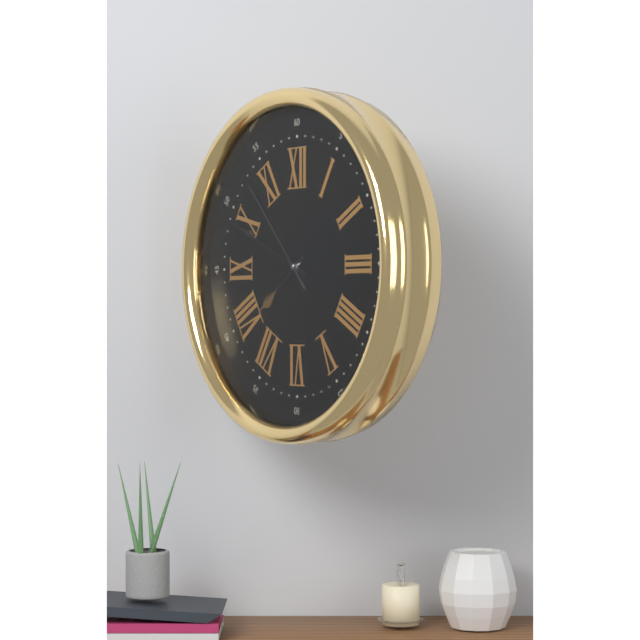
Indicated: 7 h 49 min 53 s
